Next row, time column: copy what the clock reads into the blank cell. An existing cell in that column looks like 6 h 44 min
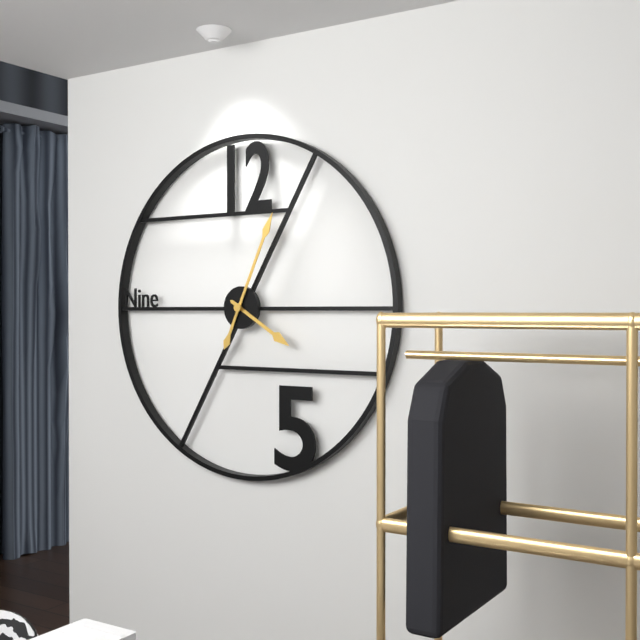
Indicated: 4 h 04 min
